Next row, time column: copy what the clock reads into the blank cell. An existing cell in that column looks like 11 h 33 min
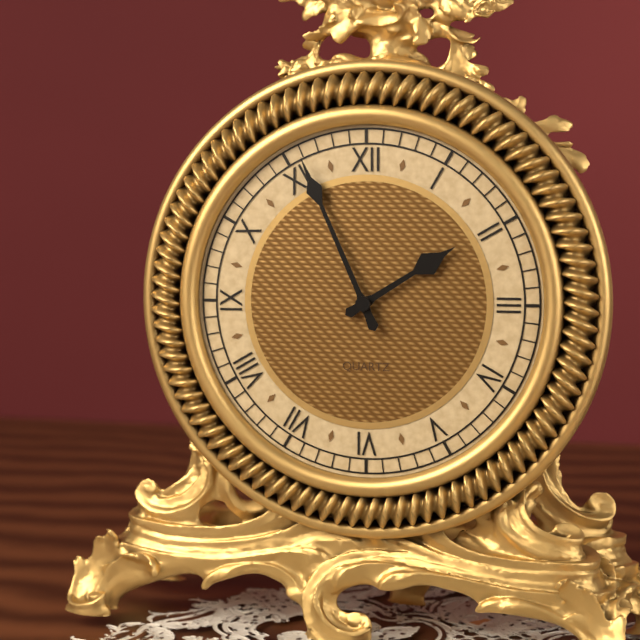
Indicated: 1 h 56 min
